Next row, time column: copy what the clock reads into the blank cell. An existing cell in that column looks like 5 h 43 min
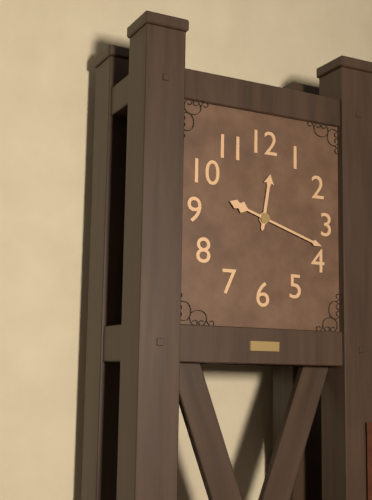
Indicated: 12 h 18 min
